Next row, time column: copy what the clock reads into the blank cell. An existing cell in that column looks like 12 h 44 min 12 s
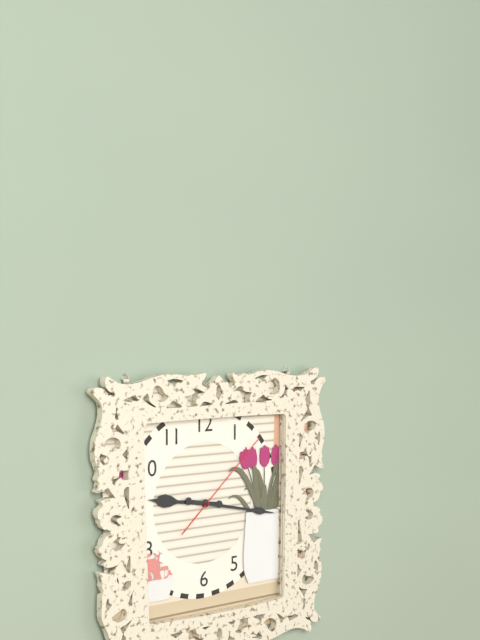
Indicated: 9 h 17 min 08 s
